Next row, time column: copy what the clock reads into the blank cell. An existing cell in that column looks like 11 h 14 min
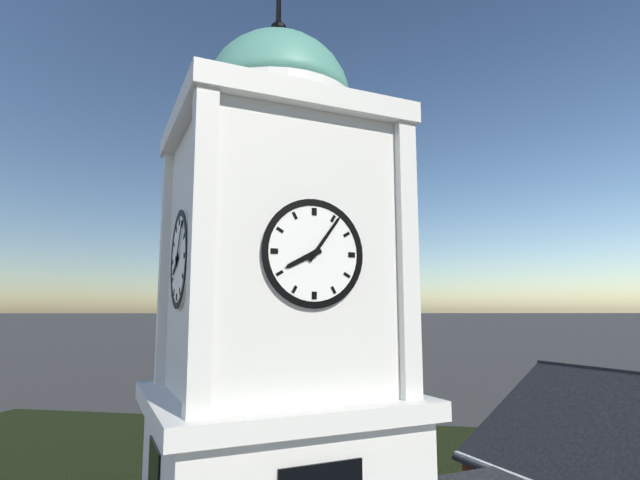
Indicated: 8 h 06 min
